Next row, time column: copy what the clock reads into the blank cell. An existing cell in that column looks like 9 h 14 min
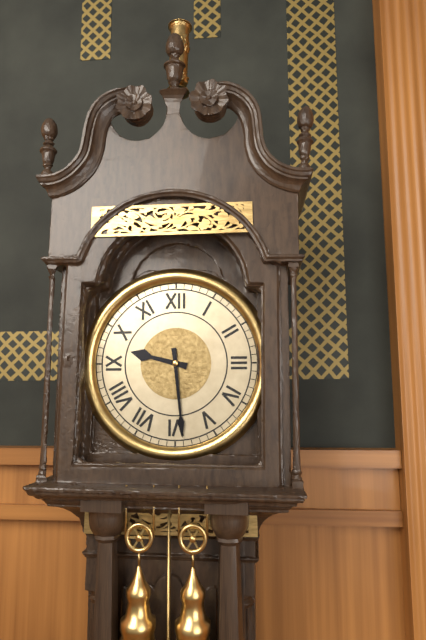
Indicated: 9 h 29 min
